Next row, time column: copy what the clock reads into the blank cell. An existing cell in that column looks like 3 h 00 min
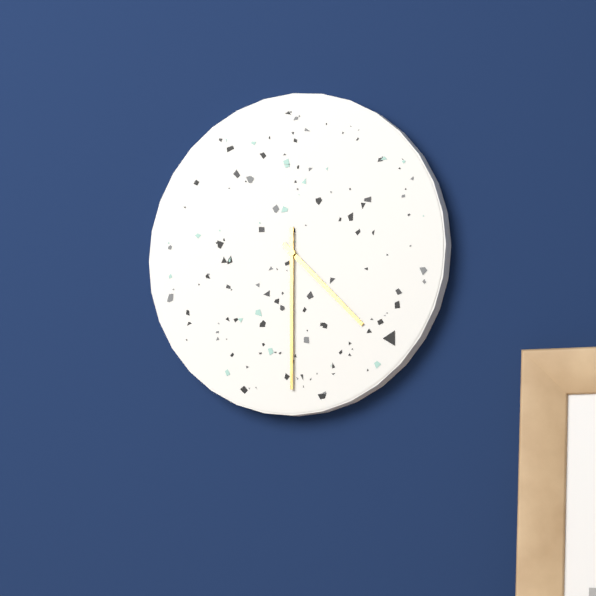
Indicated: 4 h 30 min
